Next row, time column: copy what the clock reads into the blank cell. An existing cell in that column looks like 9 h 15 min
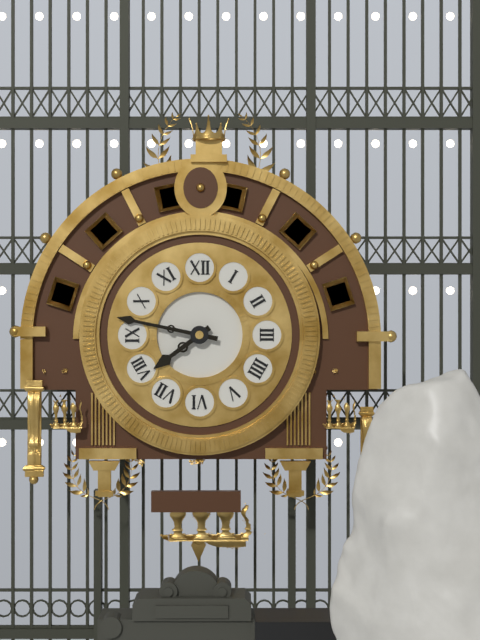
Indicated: 7 h 47 min
